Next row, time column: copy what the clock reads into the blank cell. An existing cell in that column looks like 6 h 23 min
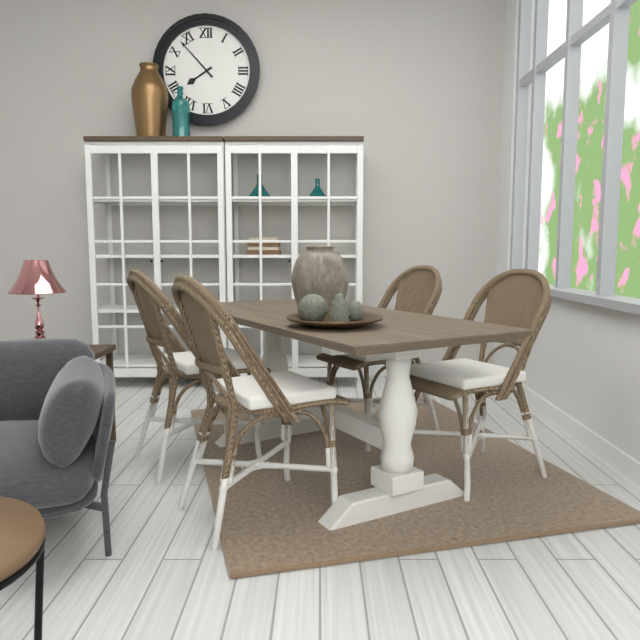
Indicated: 7 h 53 min
